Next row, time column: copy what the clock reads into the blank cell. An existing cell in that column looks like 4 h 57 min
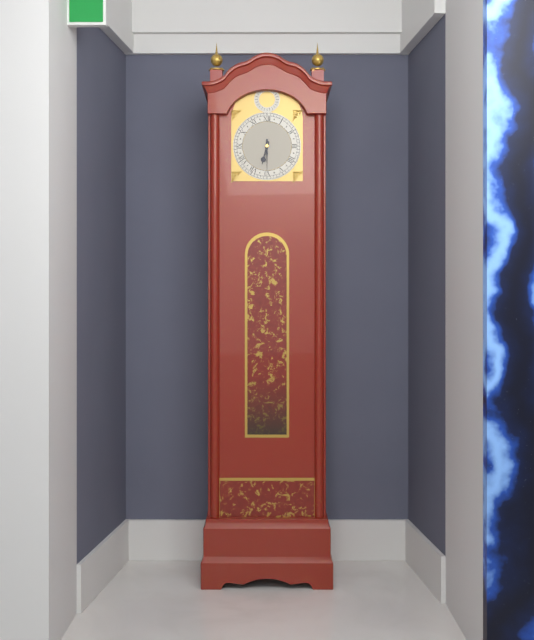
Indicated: 6 h 30 min
